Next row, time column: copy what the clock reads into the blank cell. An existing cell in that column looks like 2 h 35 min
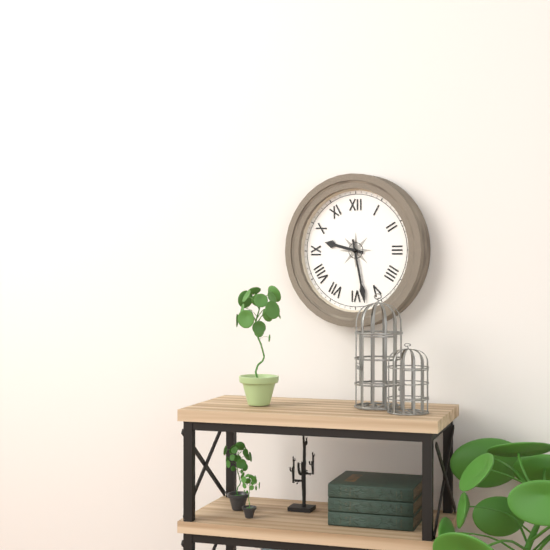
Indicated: 9 h 28 min
